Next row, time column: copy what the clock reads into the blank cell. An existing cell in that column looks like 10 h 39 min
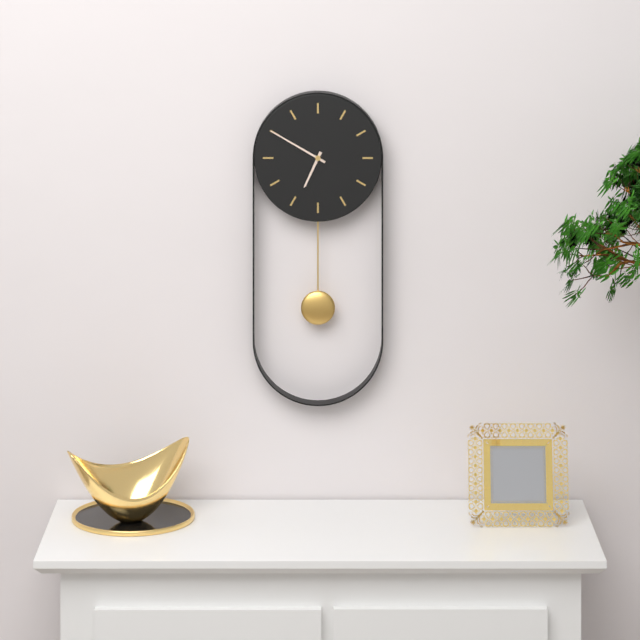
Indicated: 6 h 50 min
